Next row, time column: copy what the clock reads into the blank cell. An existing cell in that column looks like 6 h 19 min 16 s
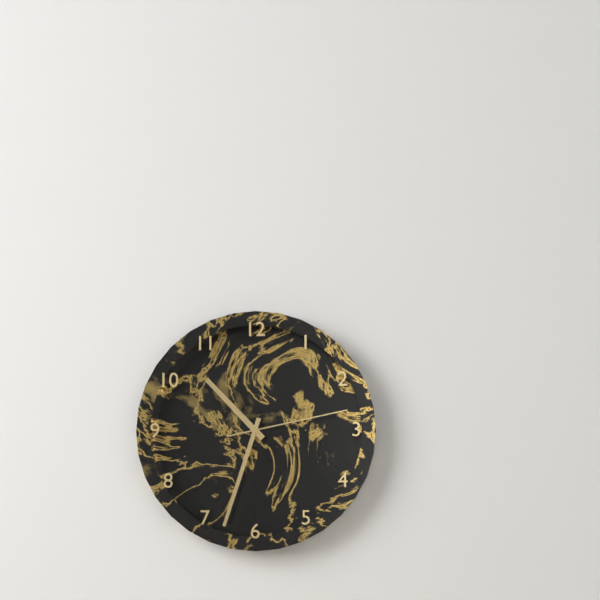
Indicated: 10 h 33 min 13 s
